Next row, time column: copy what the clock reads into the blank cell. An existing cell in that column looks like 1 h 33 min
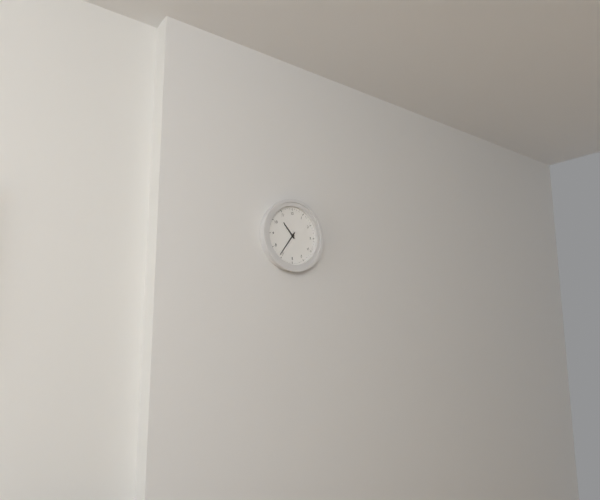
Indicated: 10 h 36 min
